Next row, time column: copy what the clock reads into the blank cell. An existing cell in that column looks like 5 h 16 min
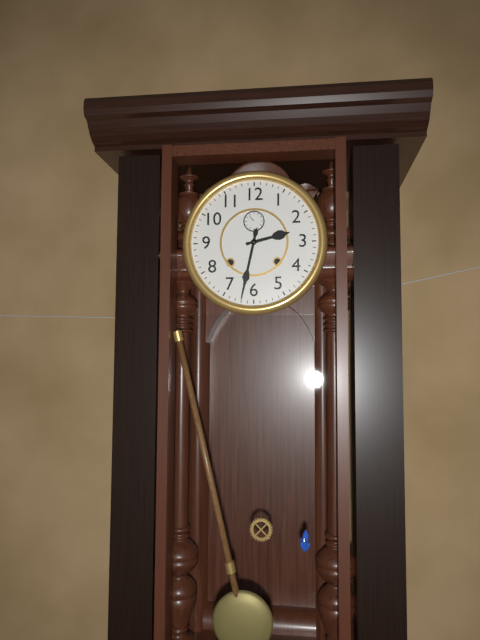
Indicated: 2 h 32 min
